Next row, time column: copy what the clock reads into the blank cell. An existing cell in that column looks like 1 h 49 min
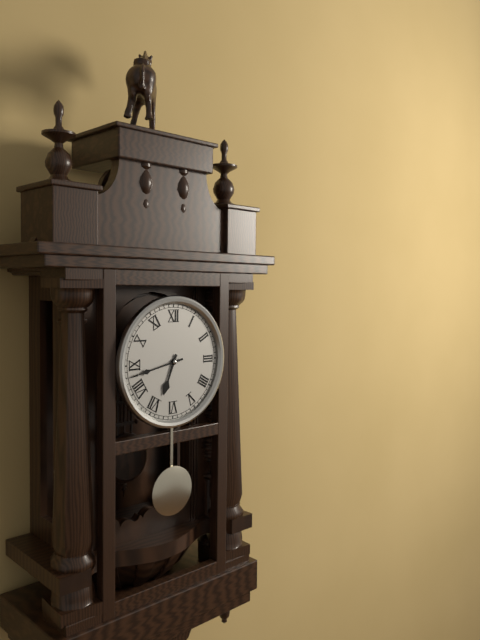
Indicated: 6 h 43 min
